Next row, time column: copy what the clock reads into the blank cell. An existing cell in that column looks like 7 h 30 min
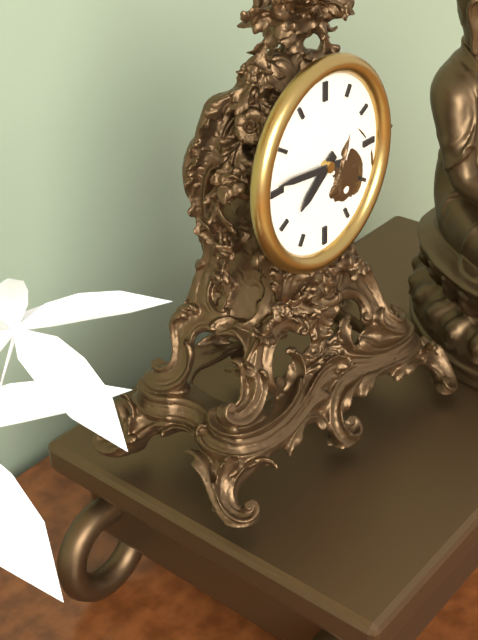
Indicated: 7 h 46 min
